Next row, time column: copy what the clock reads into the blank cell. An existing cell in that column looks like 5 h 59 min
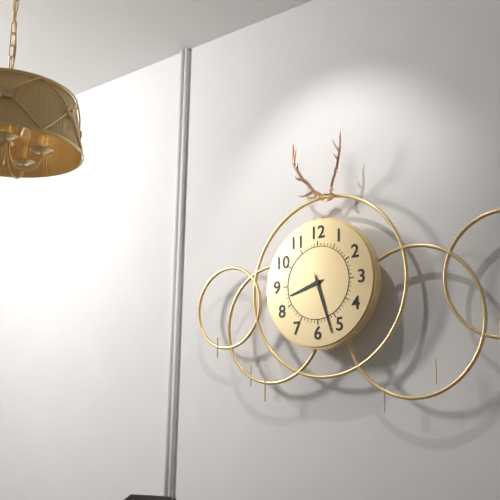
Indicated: 8 h 27 min
